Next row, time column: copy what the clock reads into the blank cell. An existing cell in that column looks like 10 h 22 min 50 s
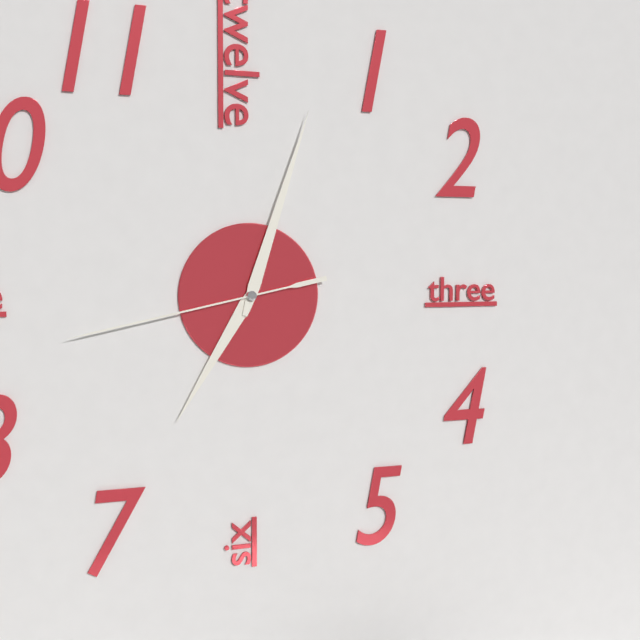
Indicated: 7 h 03 min 43 s
